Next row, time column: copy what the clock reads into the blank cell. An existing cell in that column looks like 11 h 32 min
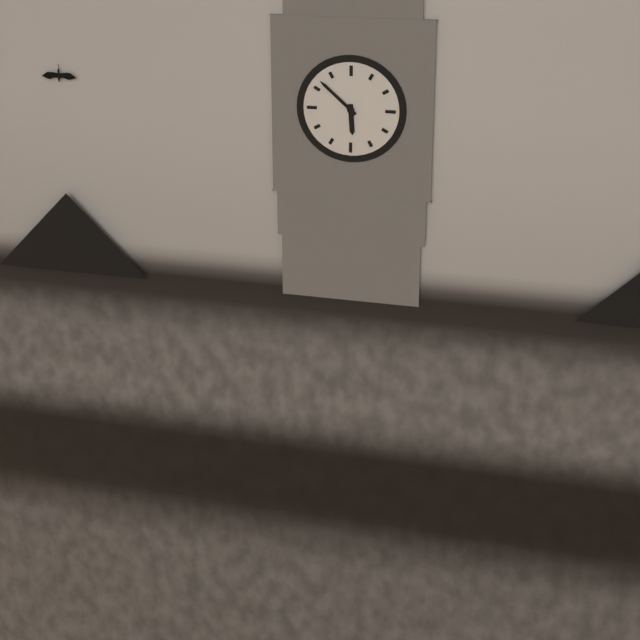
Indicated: 5 h 52 min
